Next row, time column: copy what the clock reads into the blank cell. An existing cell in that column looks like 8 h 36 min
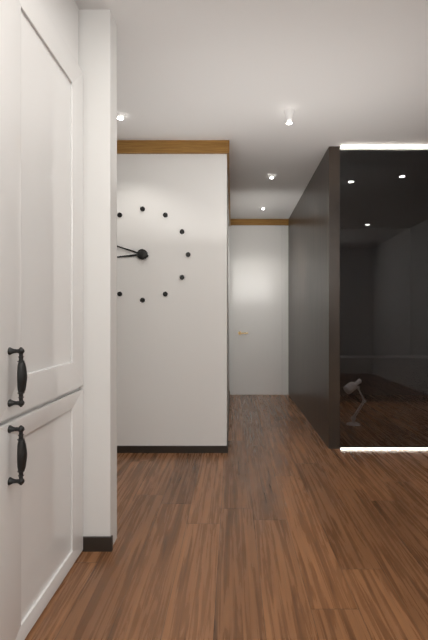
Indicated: 8 h 48 min
